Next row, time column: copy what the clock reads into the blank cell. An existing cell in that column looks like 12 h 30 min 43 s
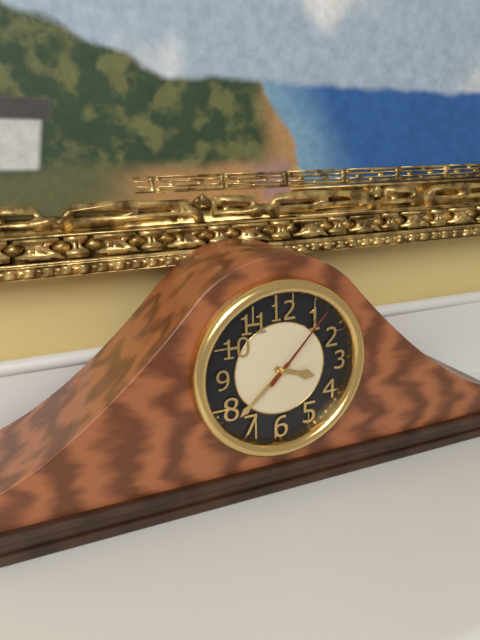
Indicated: 3 h 38 min 07 s
